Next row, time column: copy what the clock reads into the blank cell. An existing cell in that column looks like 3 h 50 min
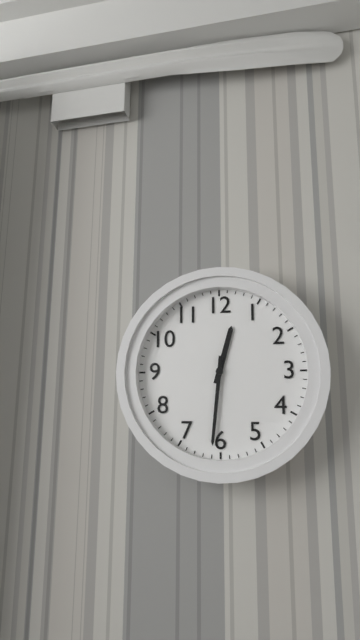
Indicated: 12 h 31 min
